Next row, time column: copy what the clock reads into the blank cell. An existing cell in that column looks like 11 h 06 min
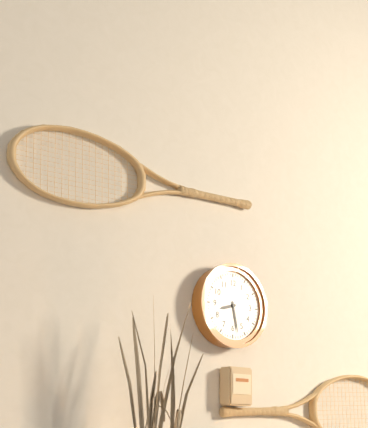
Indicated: 8 h 28 min
